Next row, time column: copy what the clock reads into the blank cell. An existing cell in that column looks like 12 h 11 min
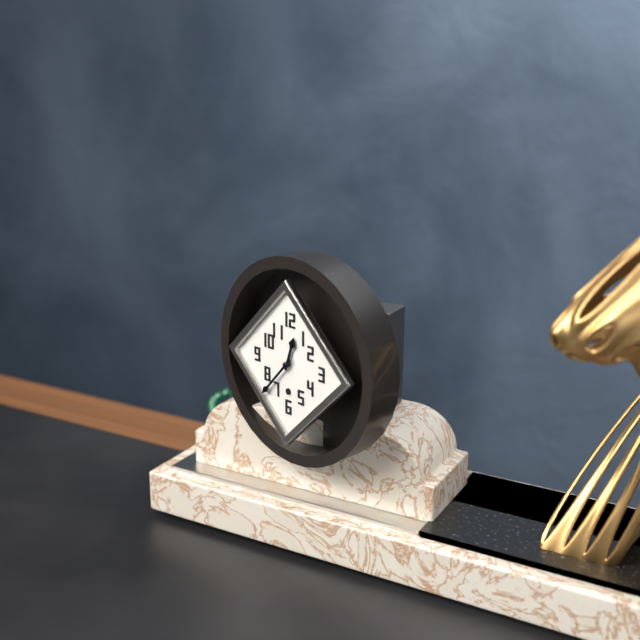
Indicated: 12 h 37 min
